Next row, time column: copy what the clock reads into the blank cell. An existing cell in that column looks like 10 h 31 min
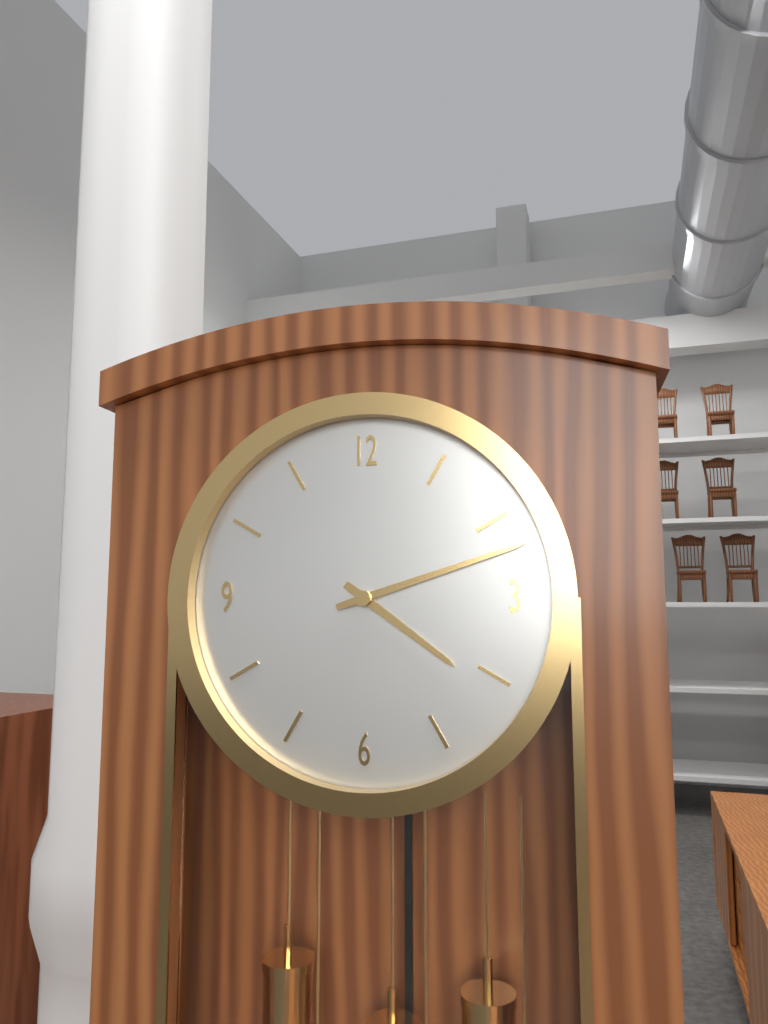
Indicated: 4 h 12 min
